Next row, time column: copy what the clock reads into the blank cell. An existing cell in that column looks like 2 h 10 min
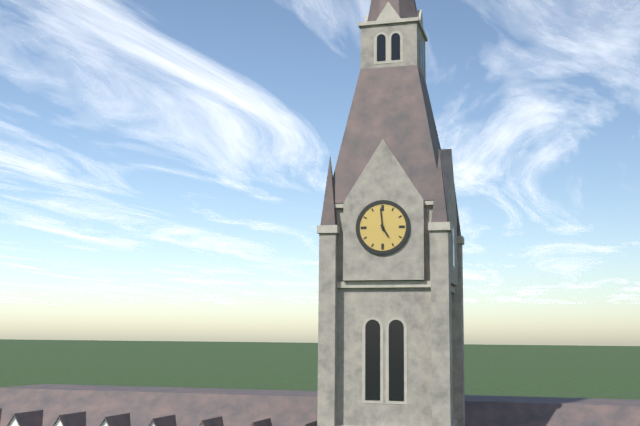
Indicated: 4 h 59 min
